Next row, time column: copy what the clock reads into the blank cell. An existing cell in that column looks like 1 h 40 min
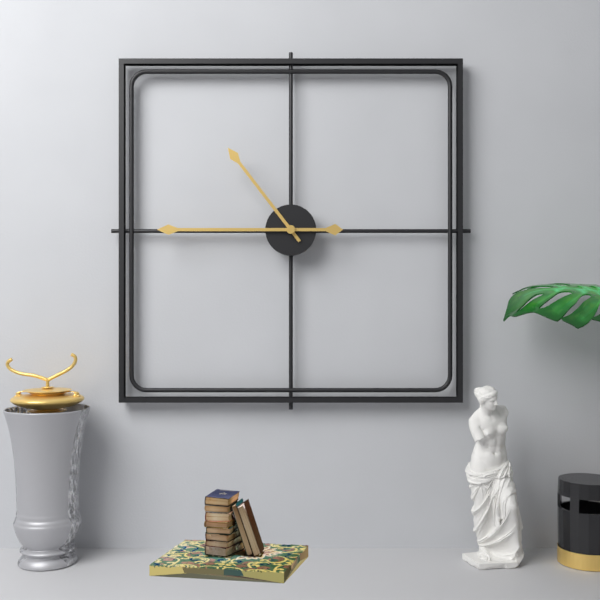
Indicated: 10 h 45 min
